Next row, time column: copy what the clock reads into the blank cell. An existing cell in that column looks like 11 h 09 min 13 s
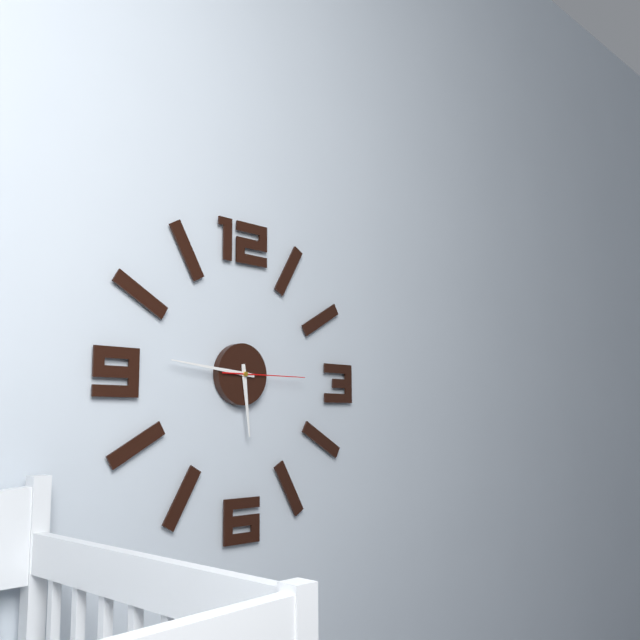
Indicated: 5 h 46 min 15 s
